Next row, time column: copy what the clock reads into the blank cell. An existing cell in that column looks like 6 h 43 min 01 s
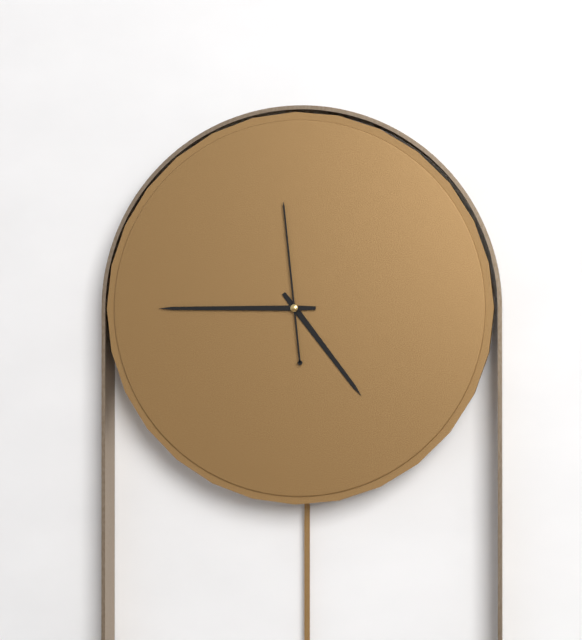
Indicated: 4 h 45 min 59 s
